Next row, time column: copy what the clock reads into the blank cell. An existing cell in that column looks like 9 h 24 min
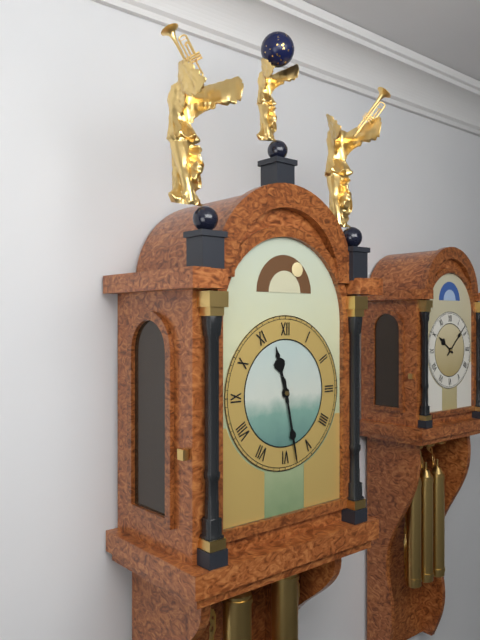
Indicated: 11 h 28 min
